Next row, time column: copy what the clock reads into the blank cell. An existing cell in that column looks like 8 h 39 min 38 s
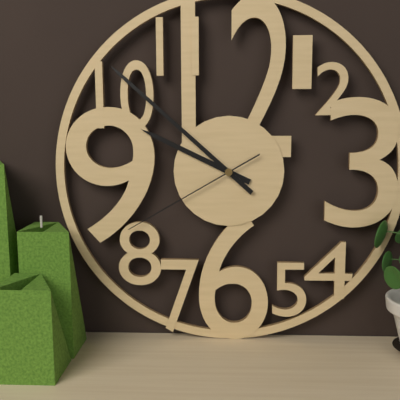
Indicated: 9 h 52 min 40 s
